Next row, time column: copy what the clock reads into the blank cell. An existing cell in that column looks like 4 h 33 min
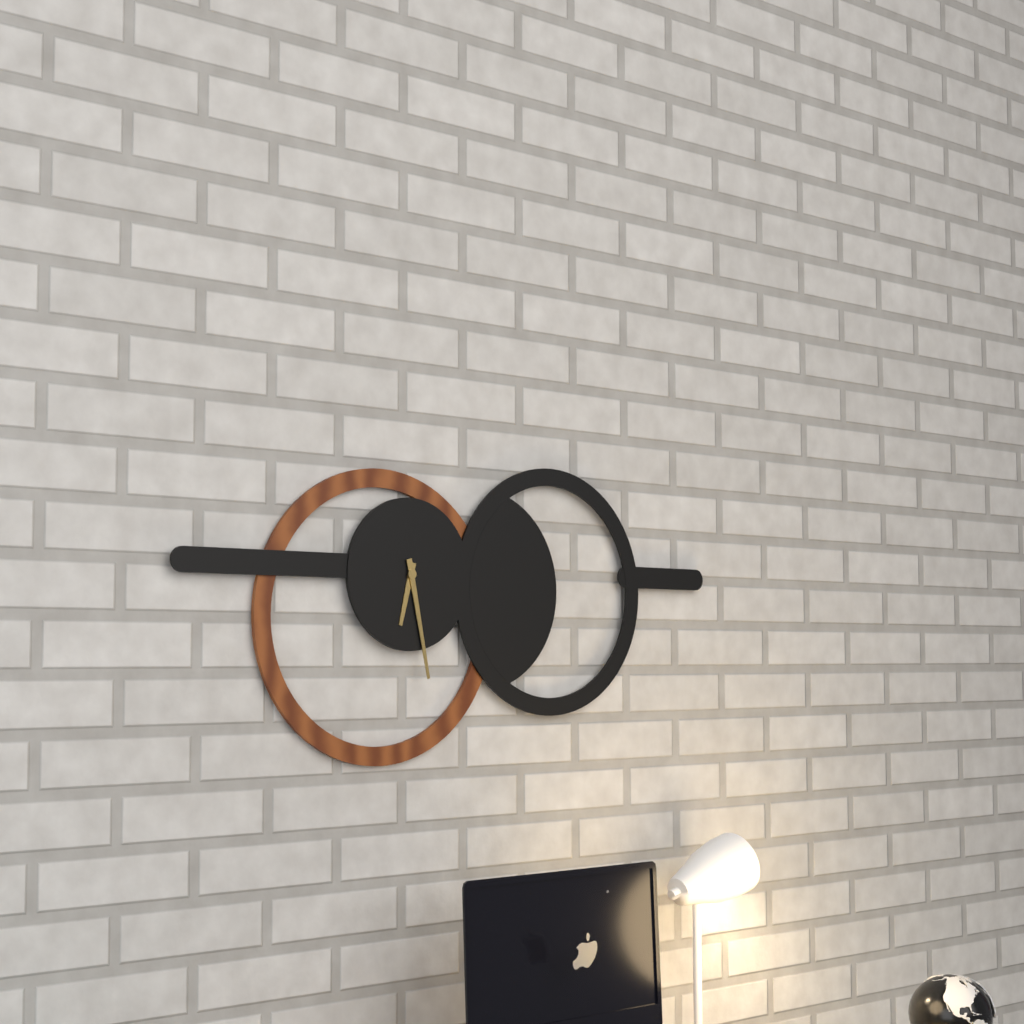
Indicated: 6 h 28 min
